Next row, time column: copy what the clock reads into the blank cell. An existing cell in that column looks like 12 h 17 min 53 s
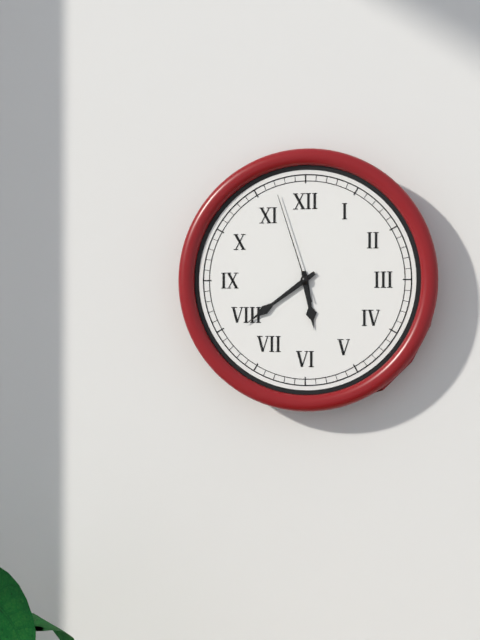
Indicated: 5 h 39 min 57 s
